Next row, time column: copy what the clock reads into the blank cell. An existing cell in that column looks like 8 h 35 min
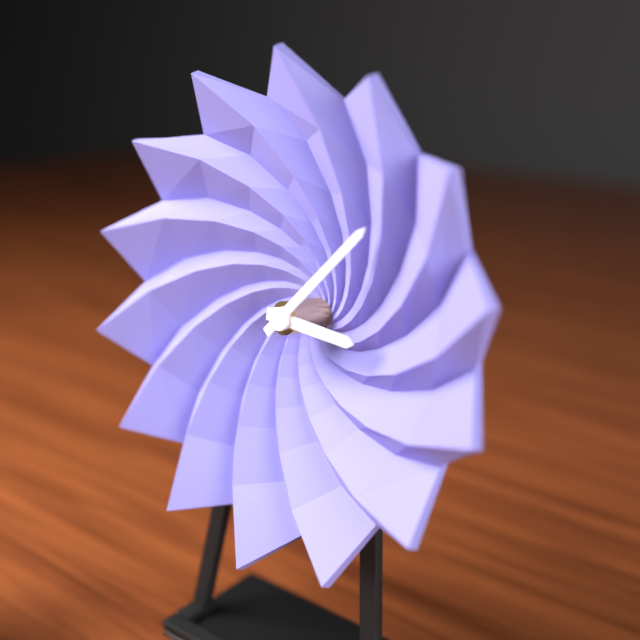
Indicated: 3 h 07 min
